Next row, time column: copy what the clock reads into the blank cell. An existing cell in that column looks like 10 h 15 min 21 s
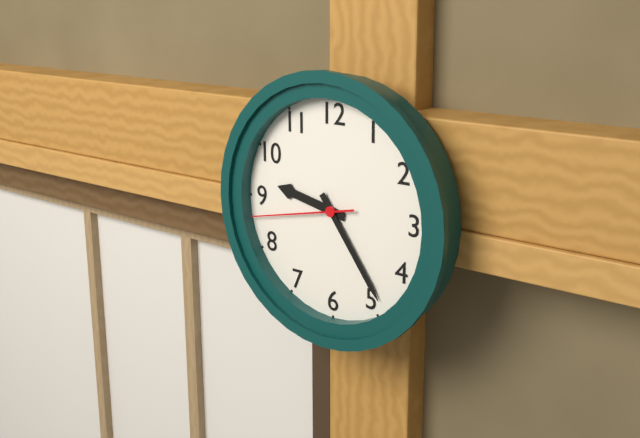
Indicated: 9 h 24 min 43 s
